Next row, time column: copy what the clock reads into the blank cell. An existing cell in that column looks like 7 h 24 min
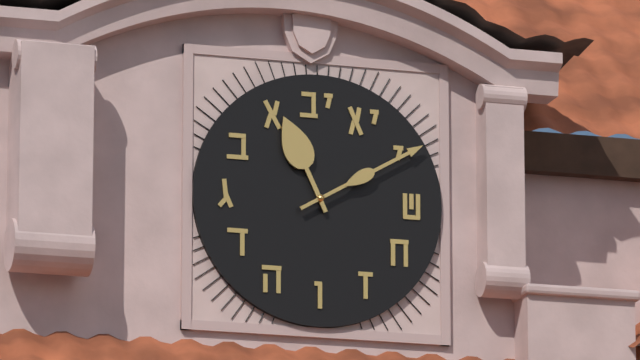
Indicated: 11 h 10 min
